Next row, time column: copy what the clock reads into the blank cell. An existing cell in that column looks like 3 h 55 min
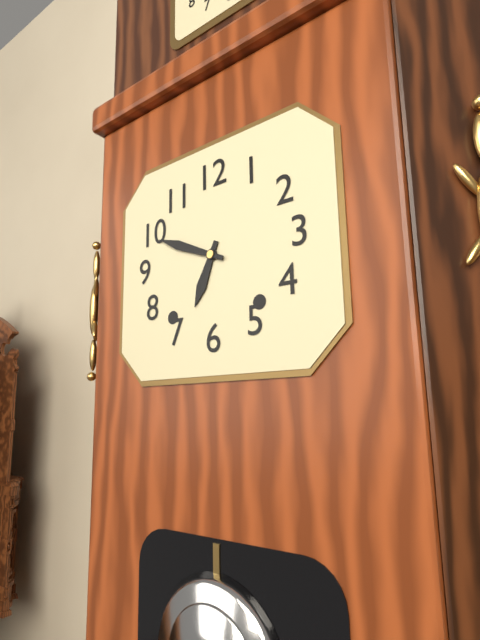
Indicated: 6 h 49 min
